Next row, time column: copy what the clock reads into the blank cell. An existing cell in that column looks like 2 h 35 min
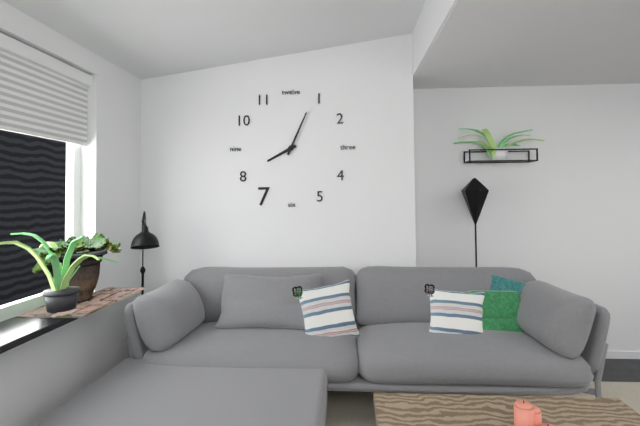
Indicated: 8 h 04 min
